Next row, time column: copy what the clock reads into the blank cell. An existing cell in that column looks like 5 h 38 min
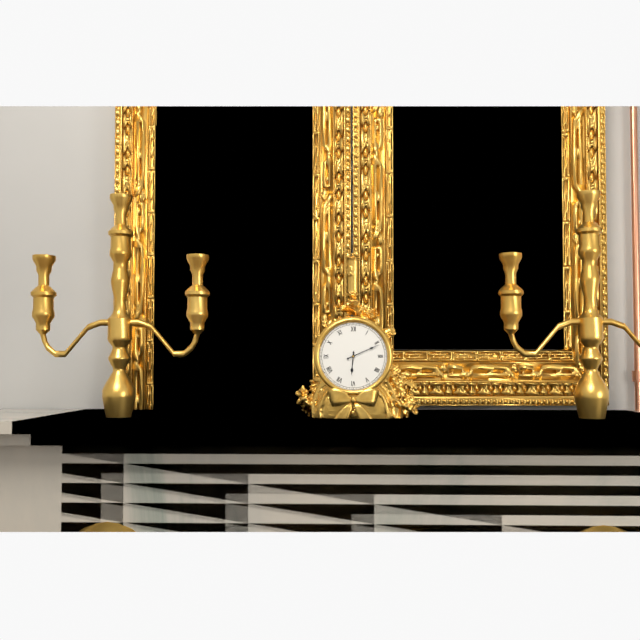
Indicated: 6 h 11 min
